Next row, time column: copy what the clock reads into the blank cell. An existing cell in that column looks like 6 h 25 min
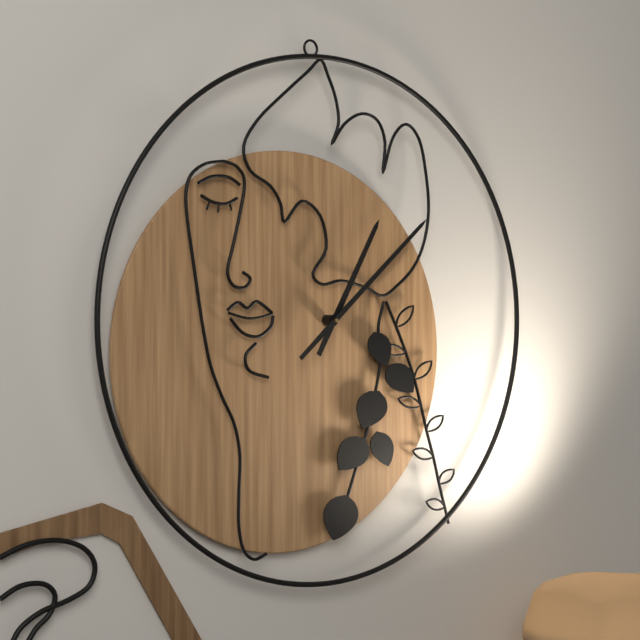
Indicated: 1 h 09 min
